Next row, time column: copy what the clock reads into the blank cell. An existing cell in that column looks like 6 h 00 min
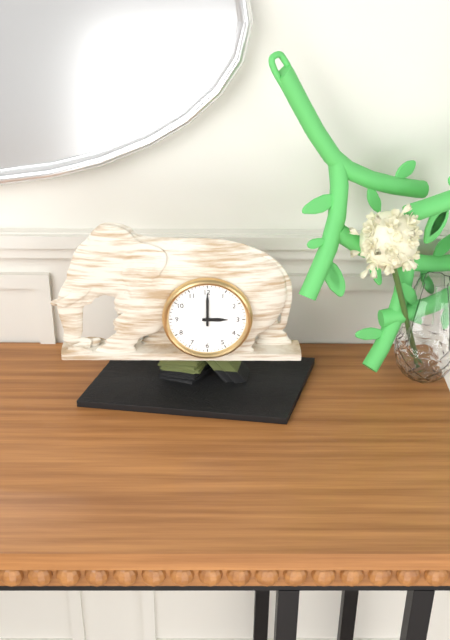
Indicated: 3 h 00 min
